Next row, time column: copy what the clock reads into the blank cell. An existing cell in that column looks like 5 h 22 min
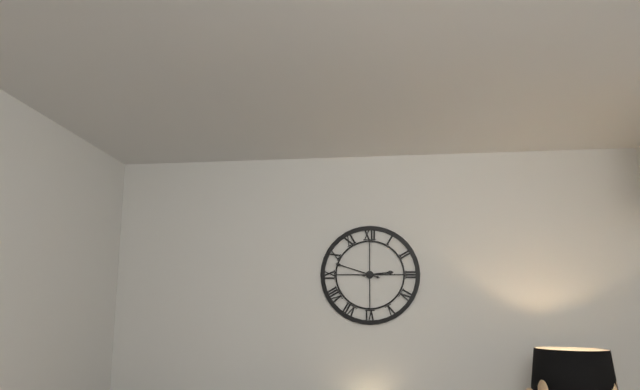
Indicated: 2 h 48 min
